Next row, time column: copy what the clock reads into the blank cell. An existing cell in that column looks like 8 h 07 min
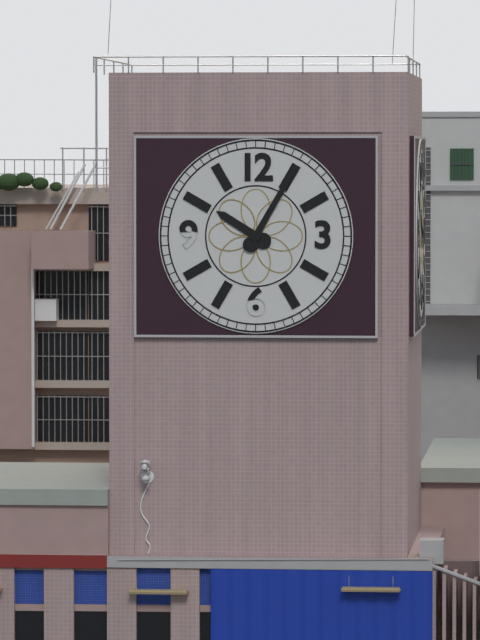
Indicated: 10 h 05 min
